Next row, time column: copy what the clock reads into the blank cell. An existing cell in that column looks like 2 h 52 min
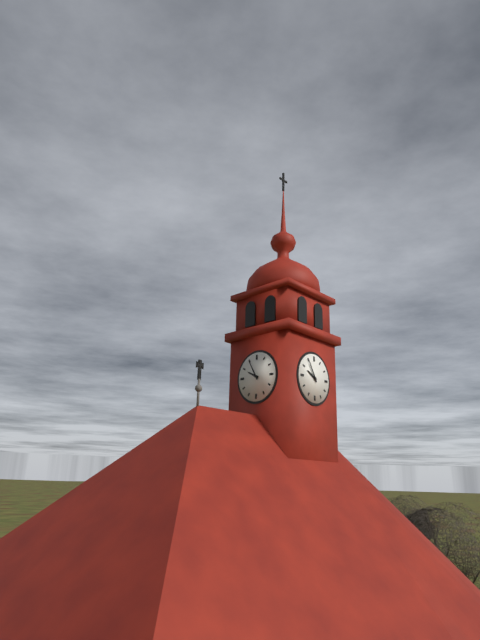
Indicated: 9 h 55 min
